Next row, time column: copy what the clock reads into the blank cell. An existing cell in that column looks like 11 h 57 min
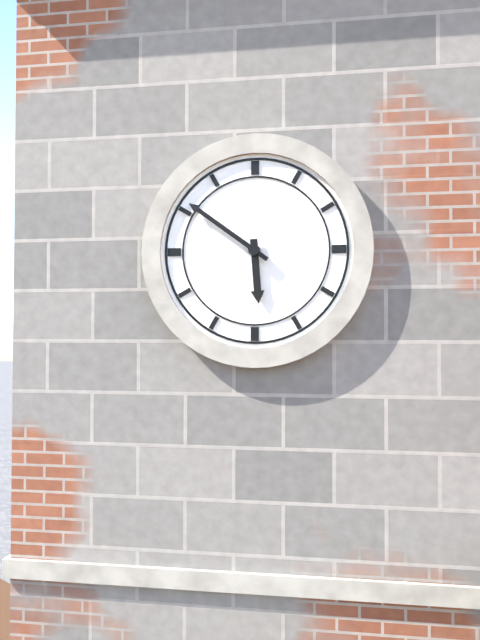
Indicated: 5 h 51 min
